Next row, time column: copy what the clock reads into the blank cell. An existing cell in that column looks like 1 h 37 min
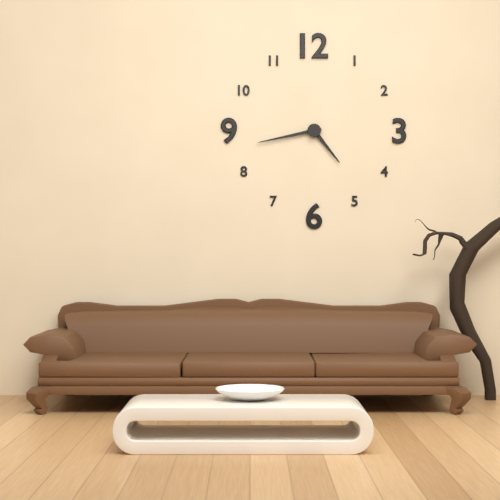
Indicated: 4 h 43 min
